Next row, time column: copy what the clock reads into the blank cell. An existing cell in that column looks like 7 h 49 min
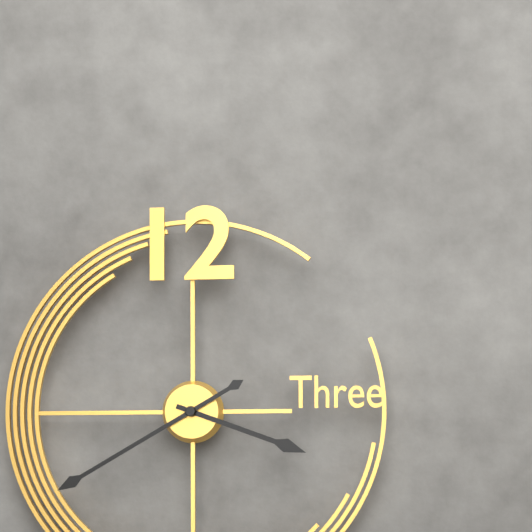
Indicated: 3 h 40 min
